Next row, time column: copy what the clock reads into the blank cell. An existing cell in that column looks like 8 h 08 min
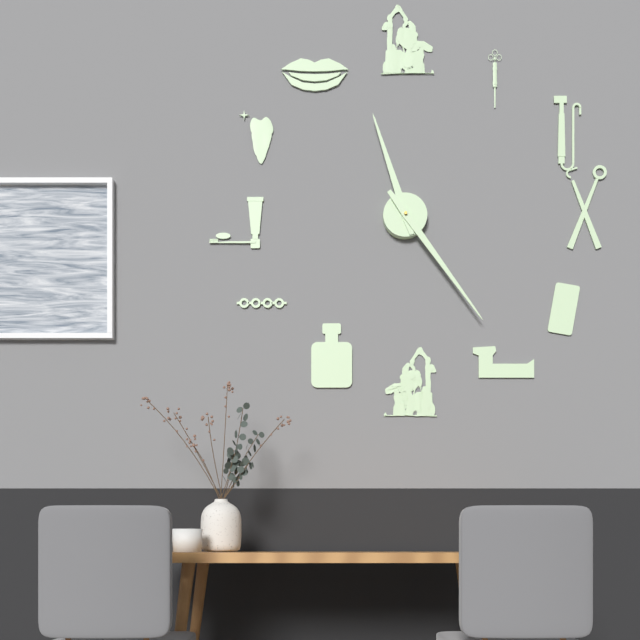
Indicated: 11 h 24 min
